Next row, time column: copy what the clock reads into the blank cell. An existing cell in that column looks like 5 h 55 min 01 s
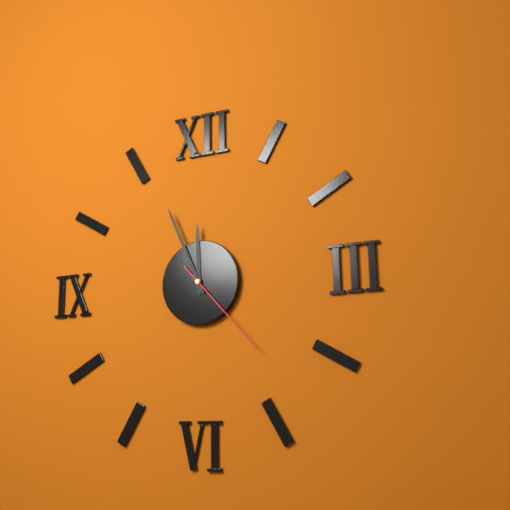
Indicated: 11 h 56 min 23 s
